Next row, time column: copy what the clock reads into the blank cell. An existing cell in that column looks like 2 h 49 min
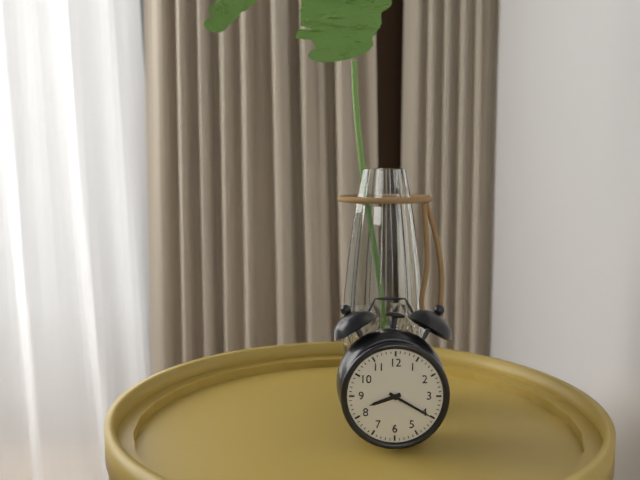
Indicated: 8 h 20 min
